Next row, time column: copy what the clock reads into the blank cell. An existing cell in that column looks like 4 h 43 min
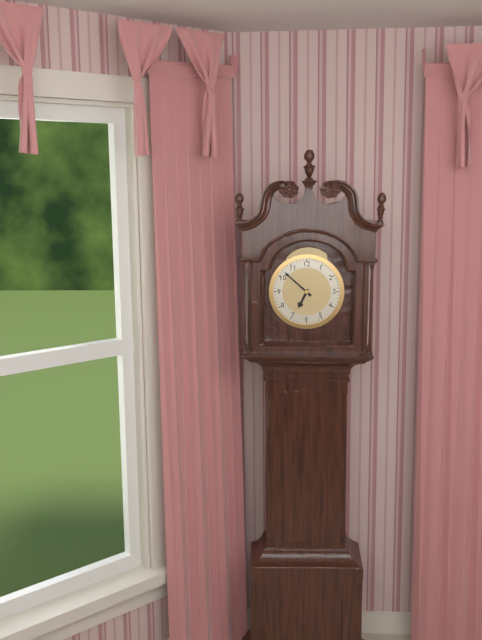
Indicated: 6 h 52 min
